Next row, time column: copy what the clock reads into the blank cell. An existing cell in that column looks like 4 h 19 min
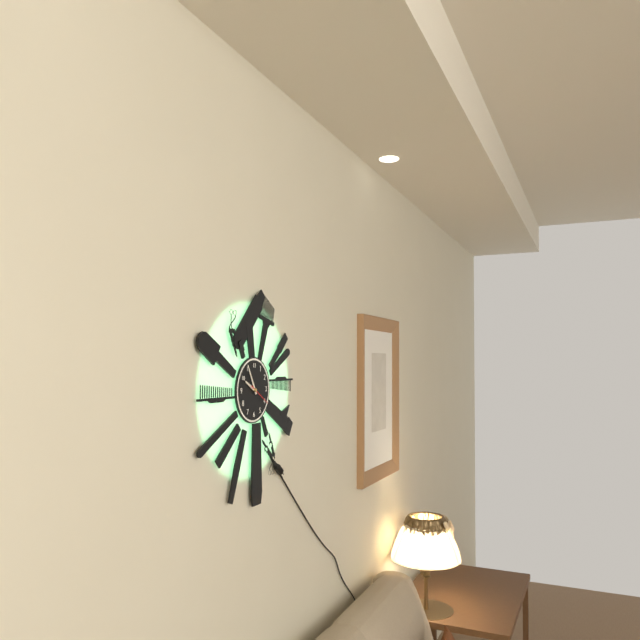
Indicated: 9 h 55 min
